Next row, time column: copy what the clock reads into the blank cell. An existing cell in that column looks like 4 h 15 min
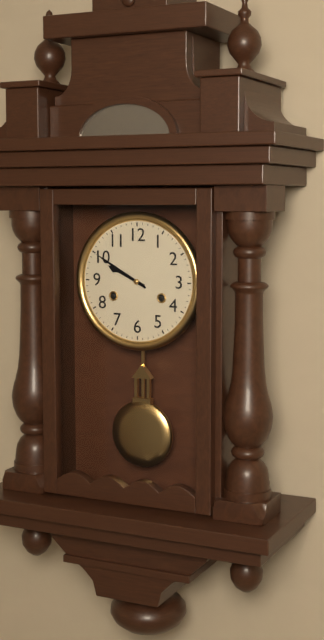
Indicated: 9 h 50 min
